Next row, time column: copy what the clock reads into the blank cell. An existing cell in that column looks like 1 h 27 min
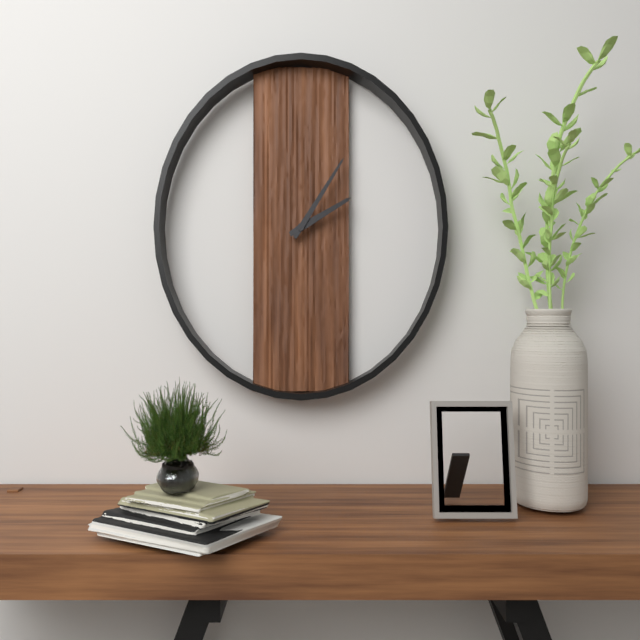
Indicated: 2 h 06 min
